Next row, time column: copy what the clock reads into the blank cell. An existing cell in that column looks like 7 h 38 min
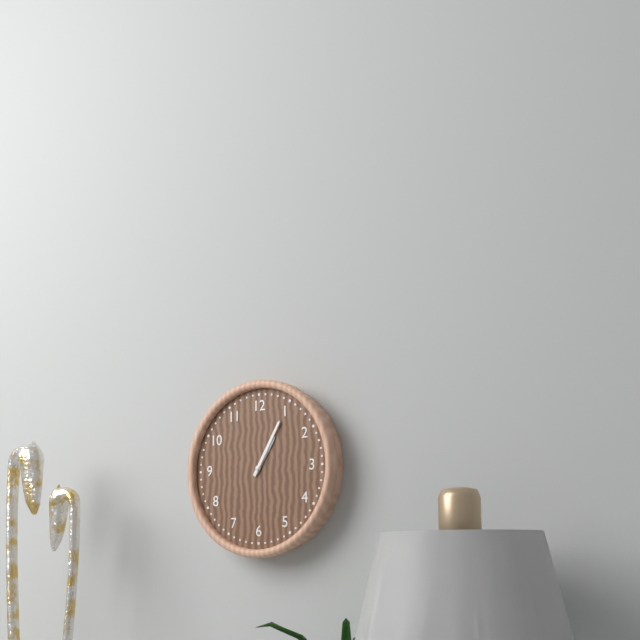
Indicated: 1 h 05 min
